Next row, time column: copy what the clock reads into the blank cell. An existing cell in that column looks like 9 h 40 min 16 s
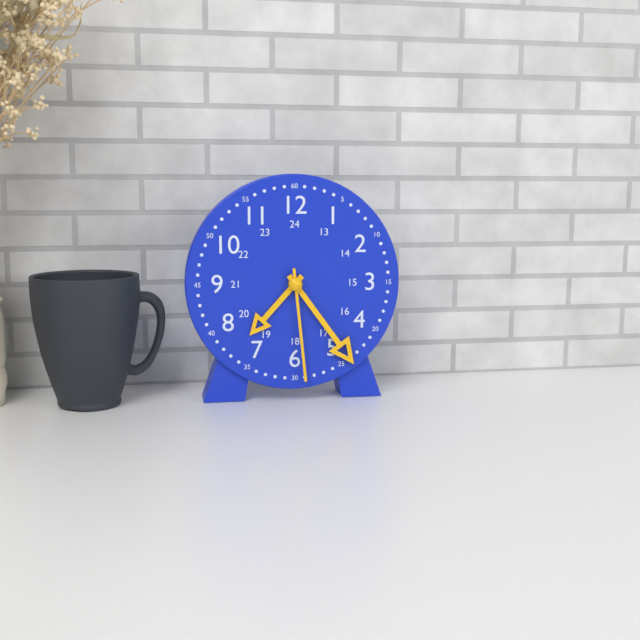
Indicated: 7 h 24 min 29 s
